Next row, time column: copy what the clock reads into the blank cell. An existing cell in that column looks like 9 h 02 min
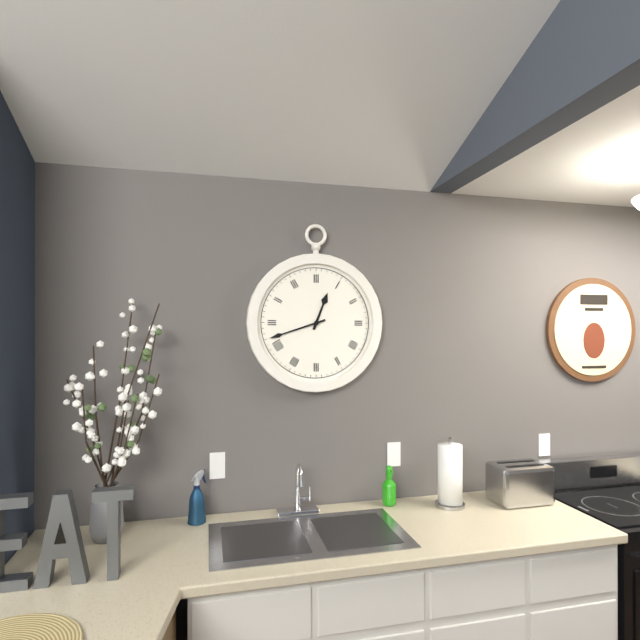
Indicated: 12 h 42 min
